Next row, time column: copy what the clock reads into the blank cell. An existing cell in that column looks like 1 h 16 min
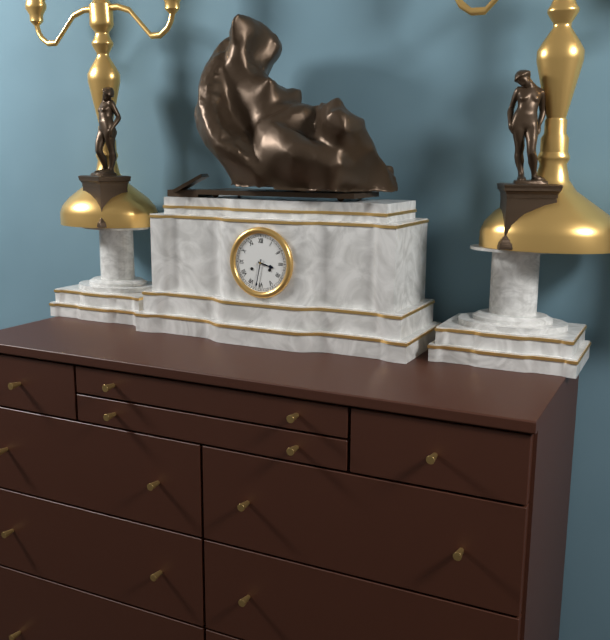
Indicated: 3 h 32 min
